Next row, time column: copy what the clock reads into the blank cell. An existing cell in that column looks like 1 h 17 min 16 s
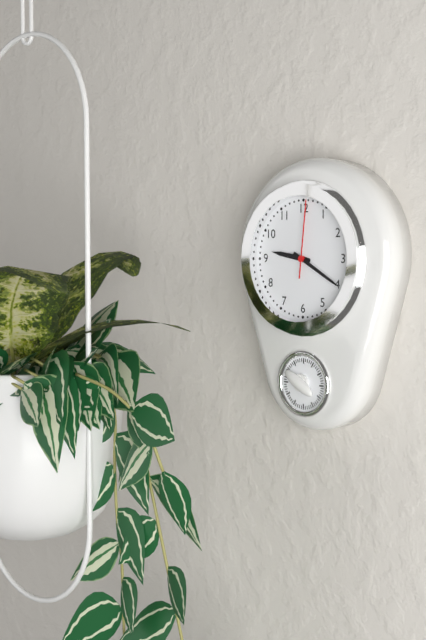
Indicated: 9 h 20 min 01 s
